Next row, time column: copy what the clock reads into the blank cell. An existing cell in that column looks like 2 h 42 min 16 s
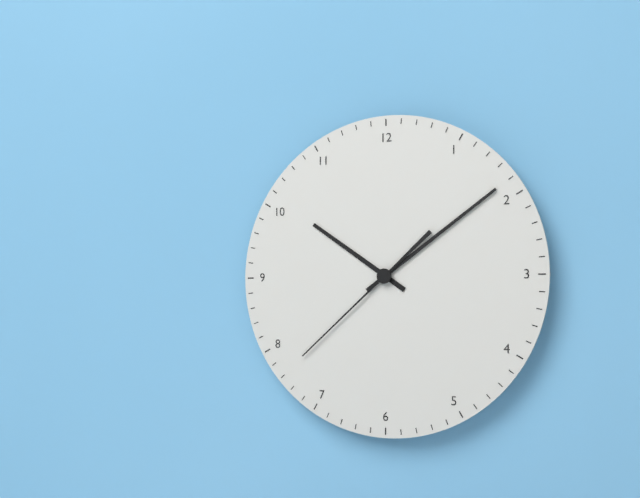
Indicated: 10 h 09 min 38 s
